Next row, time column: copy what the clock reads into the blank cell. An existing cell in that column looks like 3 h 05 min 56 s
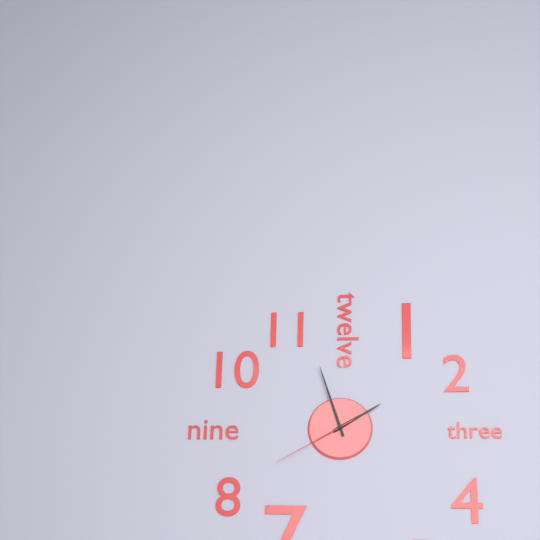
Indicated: 1 h 57 min 40 s
